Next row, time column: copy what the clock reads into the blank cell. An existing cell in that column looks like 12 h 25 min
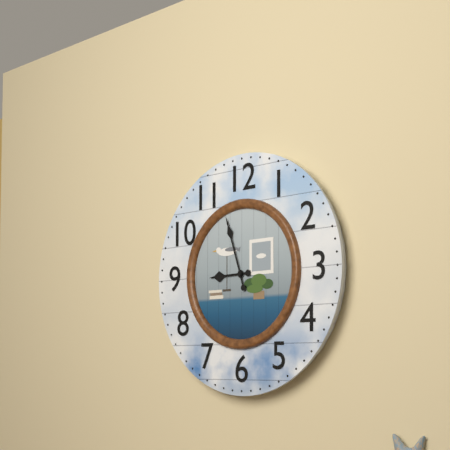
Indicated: 8 h 57 min
